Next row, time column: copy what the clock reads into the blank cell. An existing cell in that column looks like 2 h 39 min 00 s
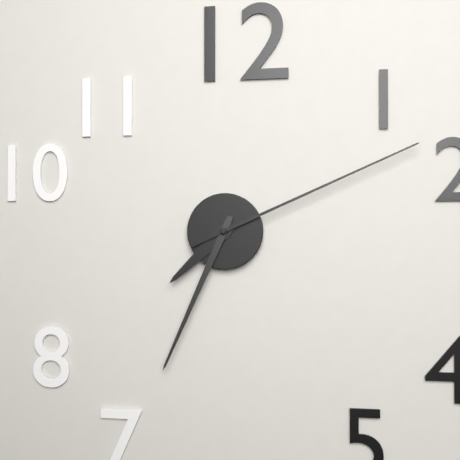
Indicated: 7 h 34 min 11 s
